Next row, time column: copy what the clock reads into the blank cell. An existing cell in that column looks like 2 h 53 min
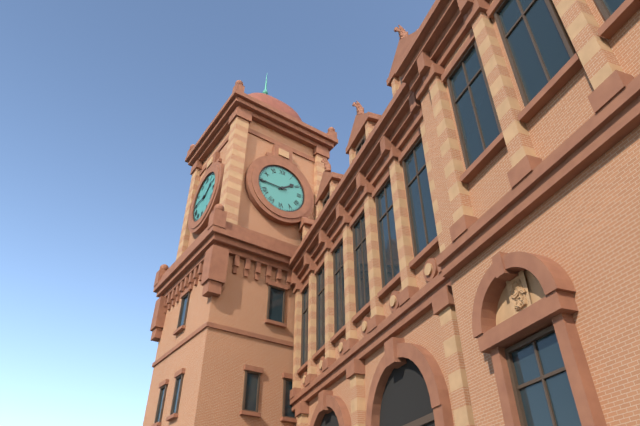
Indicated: 1 h 45 min
